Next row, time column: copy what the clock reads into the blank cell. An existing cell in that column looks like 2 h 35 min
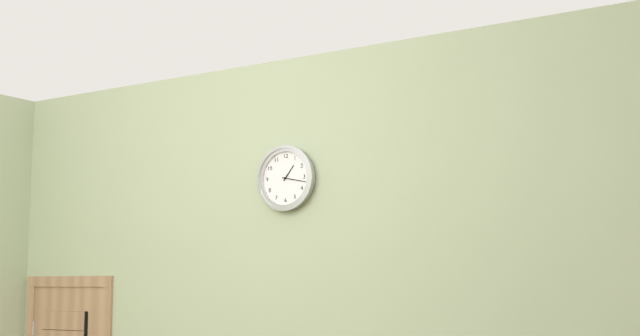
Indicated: 1 h 17 min
